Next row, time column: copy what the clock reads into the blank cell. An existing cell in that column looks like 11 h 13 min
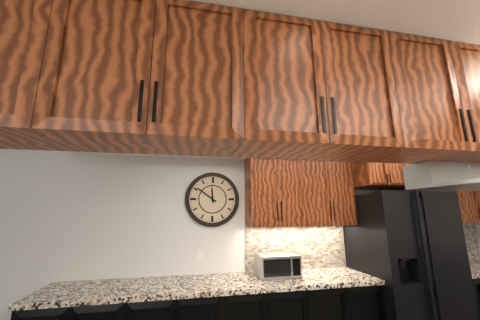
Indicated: 11 h 51 min
